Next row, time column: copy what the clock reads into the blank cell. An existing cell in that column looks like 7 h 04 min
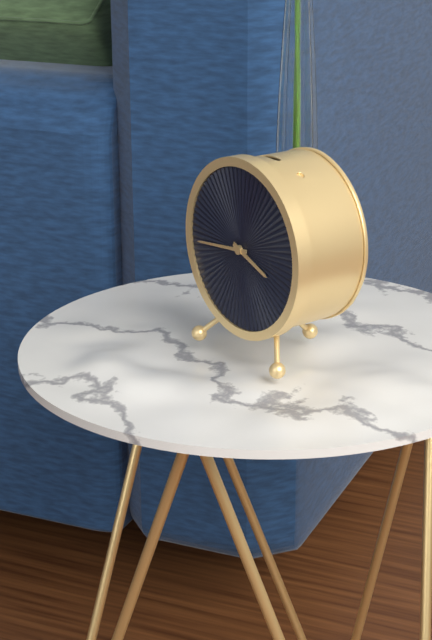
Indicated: 3 h 44 min
